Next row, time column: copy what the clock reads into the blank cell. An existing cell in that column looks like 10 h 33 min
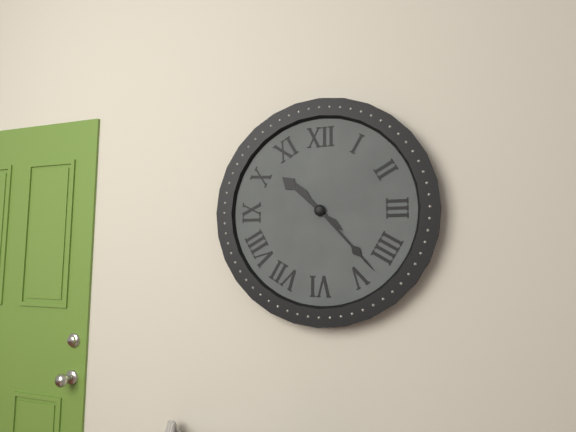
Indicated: 10 h 23 min
